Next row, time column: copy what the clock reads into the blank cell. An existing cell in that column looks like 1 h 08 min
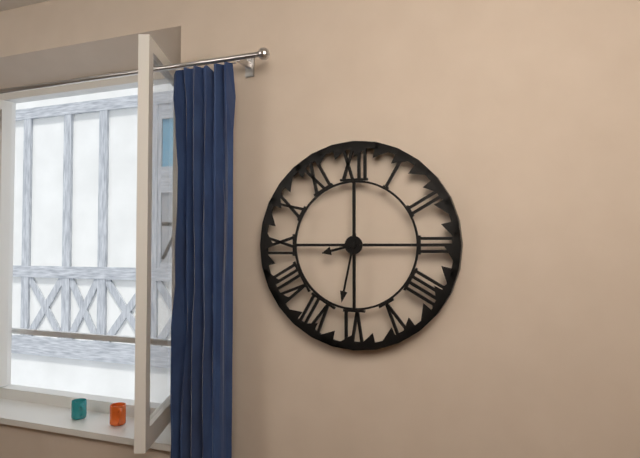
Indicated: 8 h 32 min
